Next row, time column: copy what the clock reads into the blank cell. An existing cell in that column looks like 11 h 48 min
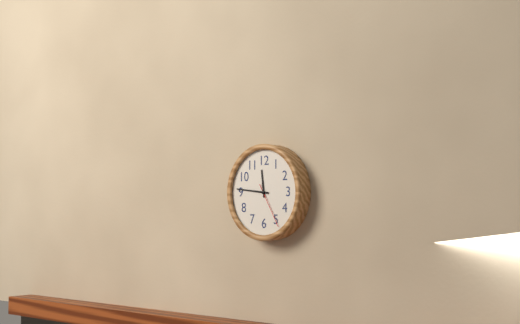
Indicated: 11 h 46 min
